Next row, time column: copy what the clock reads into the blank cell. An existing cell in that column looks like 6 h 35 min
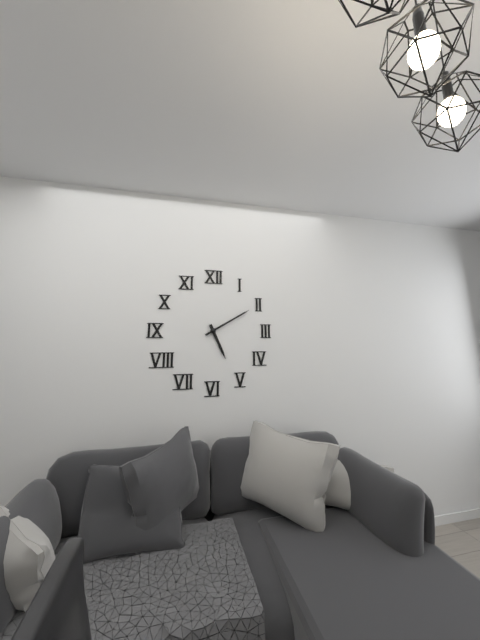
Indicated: 5 h 10 min
